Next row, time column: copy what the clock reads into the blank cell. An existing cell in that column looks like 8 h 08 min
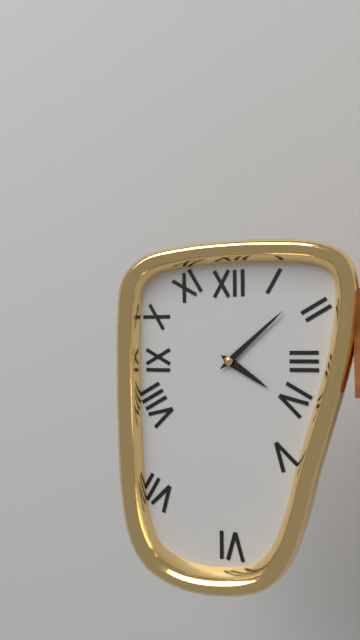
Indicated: 4 h 08 min
